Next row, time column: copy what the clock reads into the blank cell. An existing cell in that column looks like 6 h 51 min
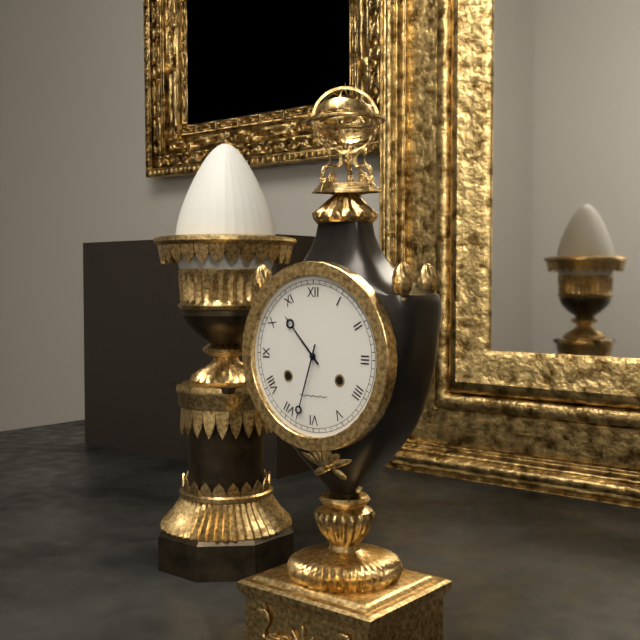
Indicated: 10 h 33 min
